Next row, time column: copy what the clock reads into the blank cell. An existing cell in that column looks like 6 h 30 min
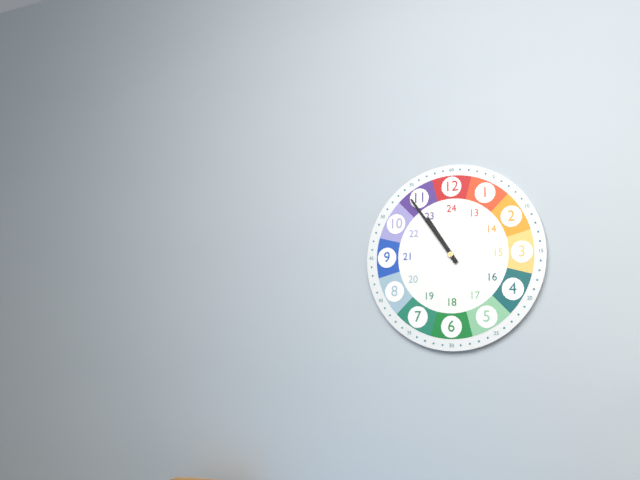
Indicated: 10 h 54 min
